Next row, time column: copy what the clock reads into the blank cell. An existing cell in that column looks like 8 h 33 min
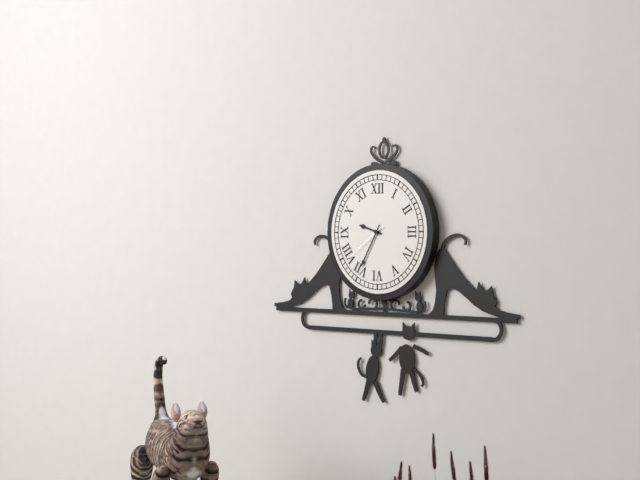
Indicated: 9 h 35 min
